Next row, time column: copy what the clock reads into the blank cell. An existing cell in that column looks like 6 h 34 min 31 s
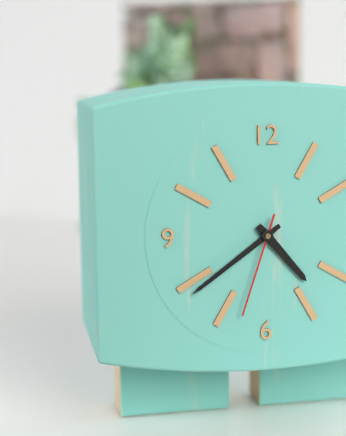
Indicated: 4 h 39 min 33 s
